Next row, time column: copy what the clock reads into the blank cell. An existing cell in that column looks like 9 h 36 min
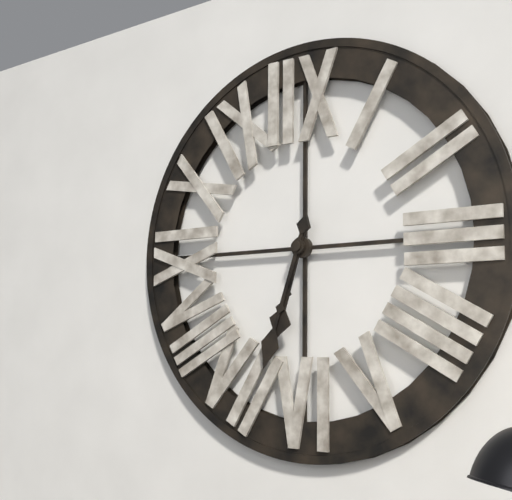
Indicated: 6 h 33 min
